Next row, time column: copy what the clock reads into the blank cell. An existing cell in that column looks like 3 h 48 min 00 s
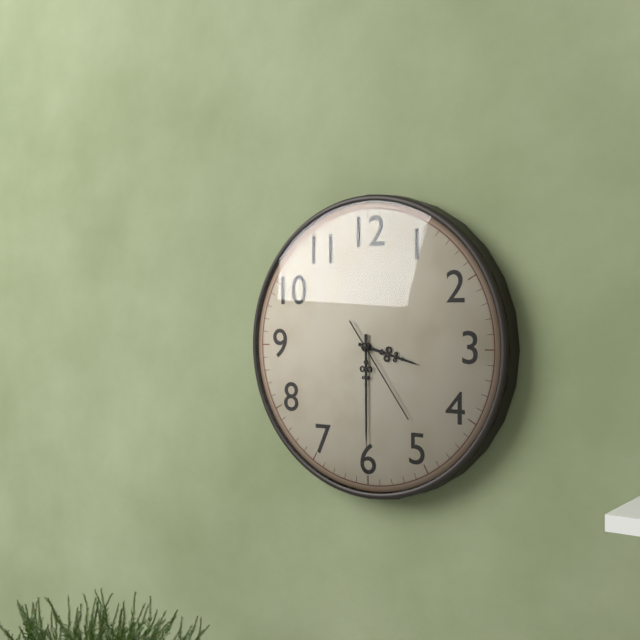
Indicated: 3 h 30 min 24 s
